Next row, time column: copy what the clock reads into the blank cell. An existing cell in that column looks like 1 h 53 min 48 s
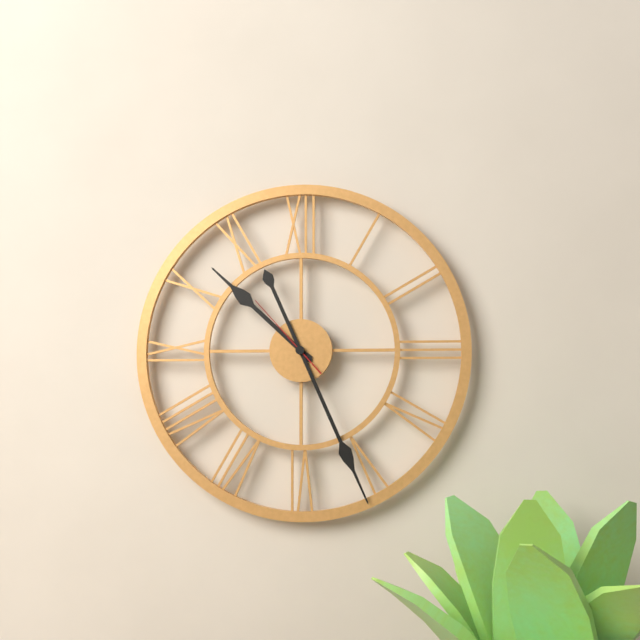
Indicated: 10 h 26 min 53 s
